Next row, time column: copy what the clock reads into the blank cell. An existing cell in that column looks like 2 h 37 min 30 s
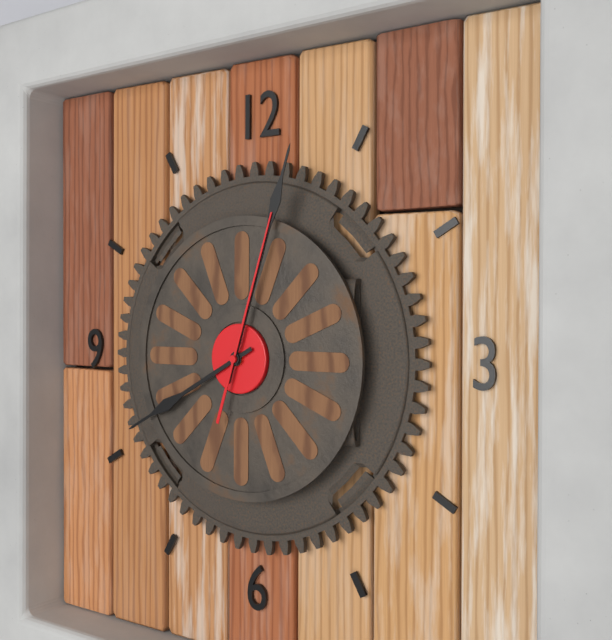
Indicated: 8 h 03 min 03 s
